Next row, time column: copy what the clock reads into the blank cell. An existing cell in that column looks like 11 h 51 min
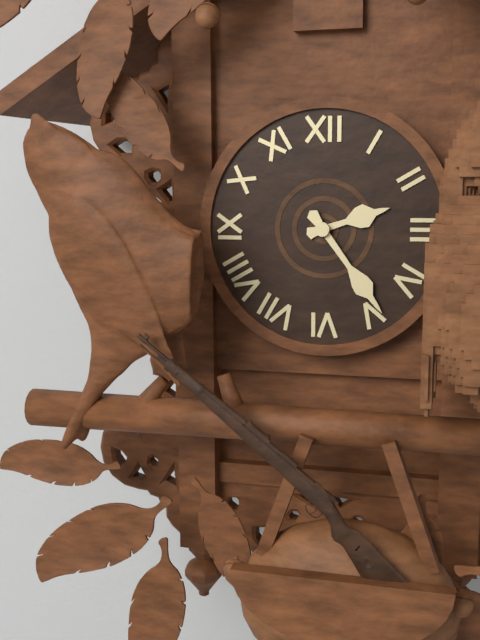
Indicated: 2 h 24 min
